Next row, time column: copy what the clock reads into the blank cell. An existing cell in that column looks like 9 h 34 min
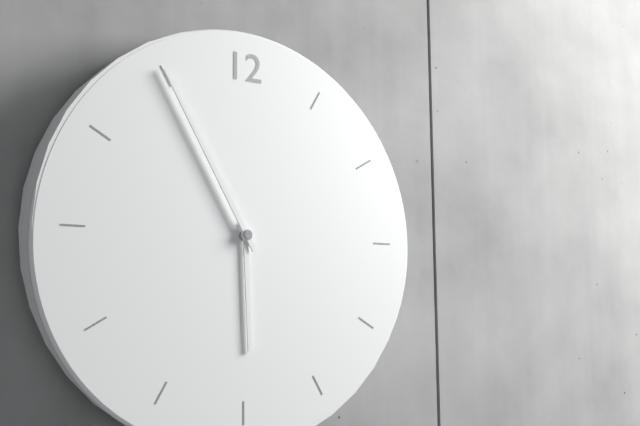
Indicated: 5 h 55 min
